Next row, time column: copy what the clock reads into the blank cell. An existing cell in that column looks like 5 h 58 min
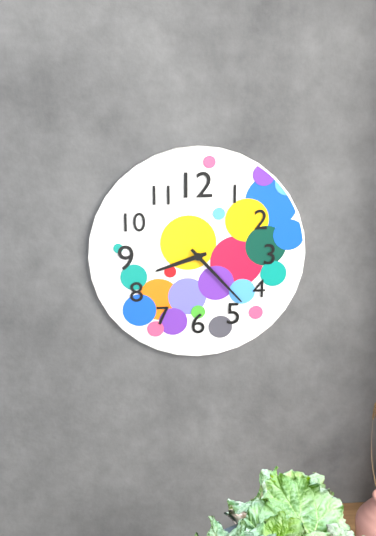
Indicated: 8 h 23 min
